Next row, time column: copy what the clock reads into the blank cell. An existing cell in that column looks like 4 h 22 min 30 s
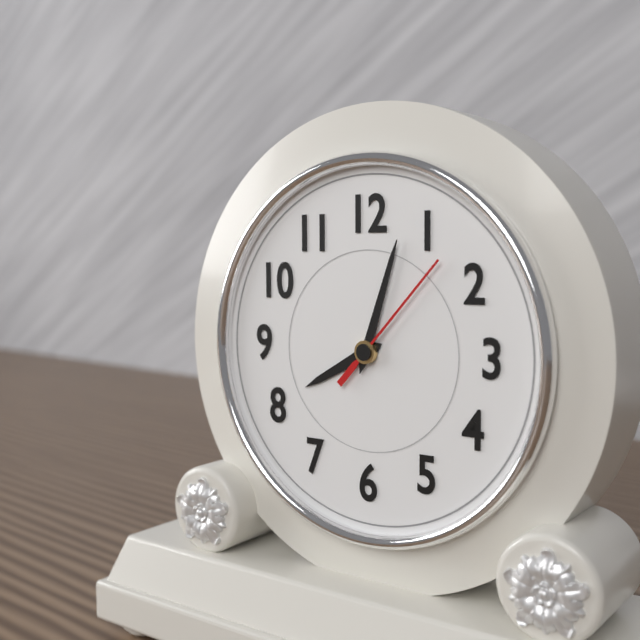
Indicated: 8 h 03 min 07 s
